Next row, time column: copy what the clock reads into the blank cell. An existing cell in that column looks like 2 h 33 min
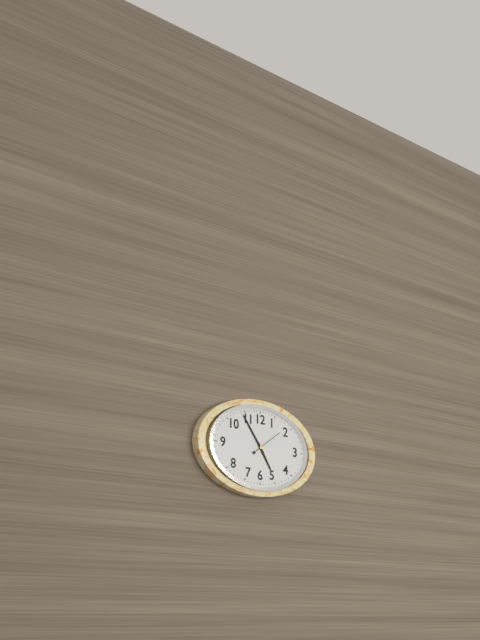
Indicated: 4 h 54 min
